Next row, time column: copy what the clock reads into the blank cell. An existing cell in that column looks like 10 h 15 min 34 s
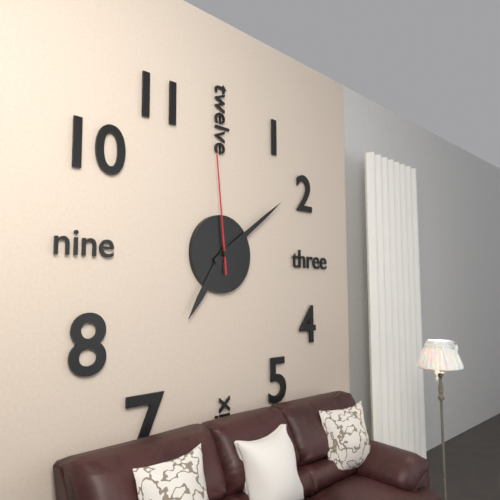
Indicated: 7 h 09 min 59 s
